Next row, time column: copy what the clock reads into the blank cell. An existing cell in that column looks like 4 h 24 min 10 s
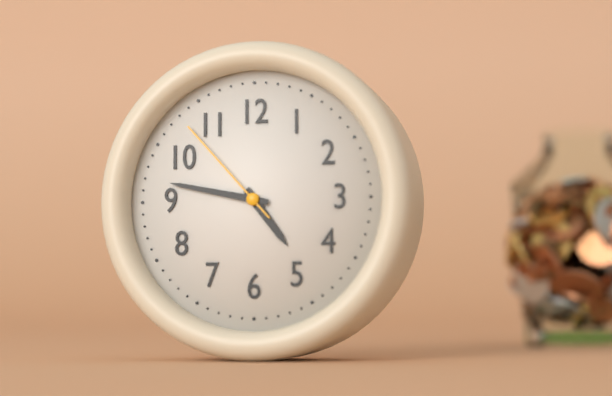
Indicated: 4 h 47 min 53 s
